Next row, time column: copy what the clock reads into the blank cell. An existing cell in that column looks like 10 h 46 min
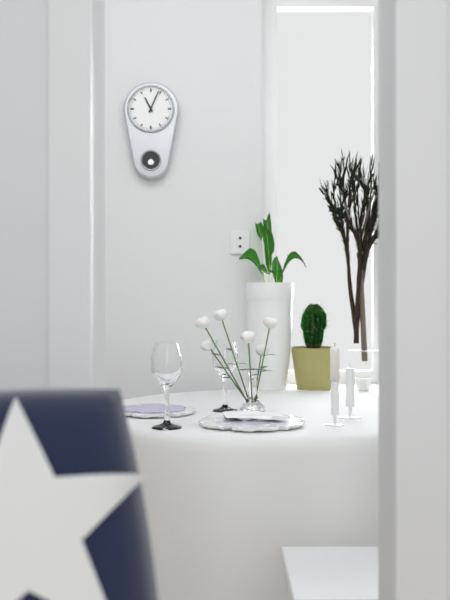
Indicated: 11 h 04 min
